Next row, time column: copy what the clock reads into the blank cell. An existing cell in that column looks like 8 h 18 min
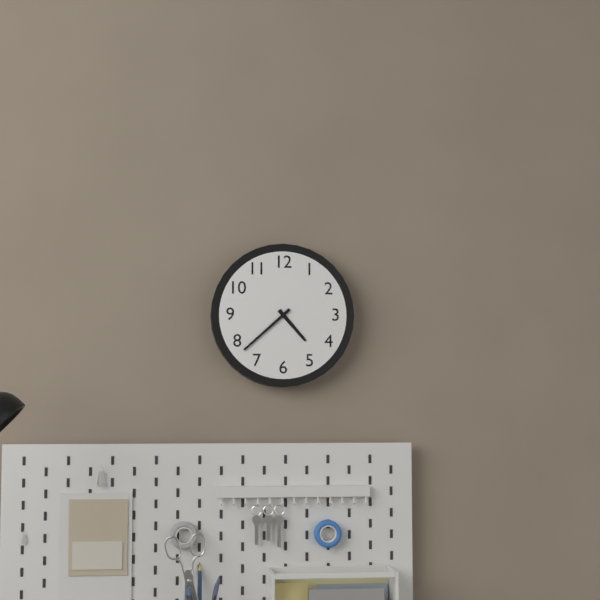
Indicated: 4 h 38 min
